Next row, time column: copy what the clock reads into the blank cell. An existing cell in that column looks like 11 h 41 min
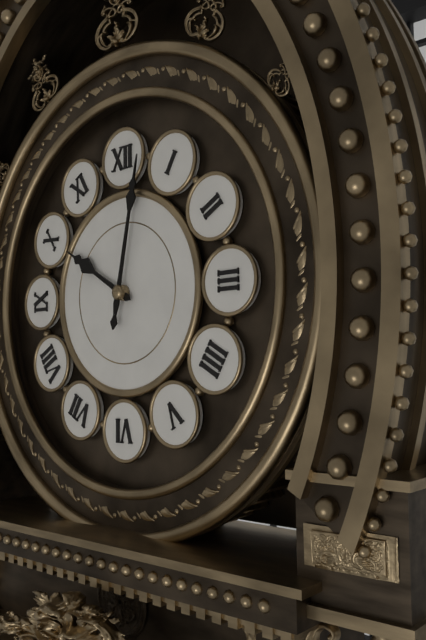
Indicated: 10 h 02 min
